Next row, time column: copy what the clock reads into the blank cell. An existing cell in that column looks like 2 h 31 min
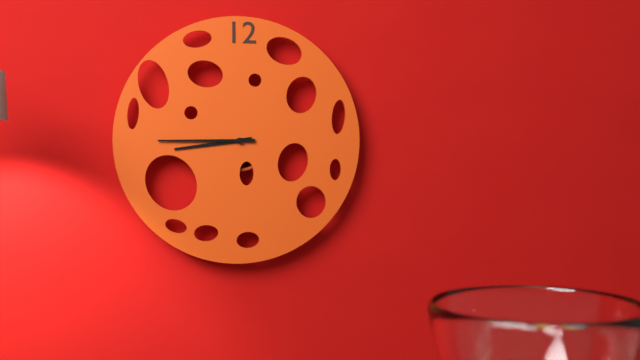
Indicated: 8 h 45 min
